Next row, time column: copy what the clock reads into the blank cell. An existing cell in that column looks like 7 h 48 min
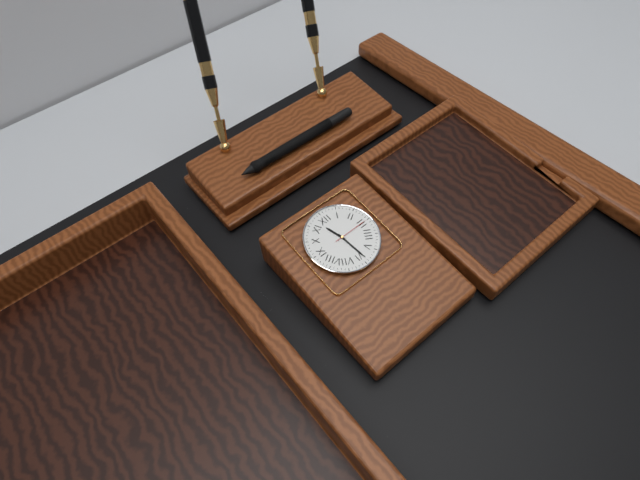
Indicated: 11 h 29 min
